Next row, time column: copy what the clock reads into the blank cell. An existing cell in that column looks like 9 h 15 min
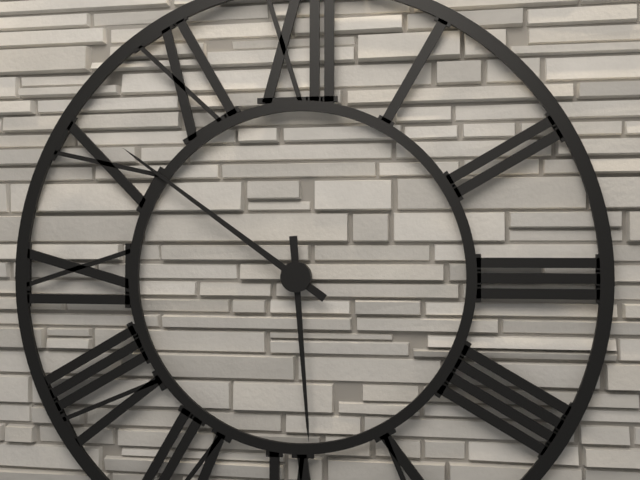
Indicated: 5 h 51 min
